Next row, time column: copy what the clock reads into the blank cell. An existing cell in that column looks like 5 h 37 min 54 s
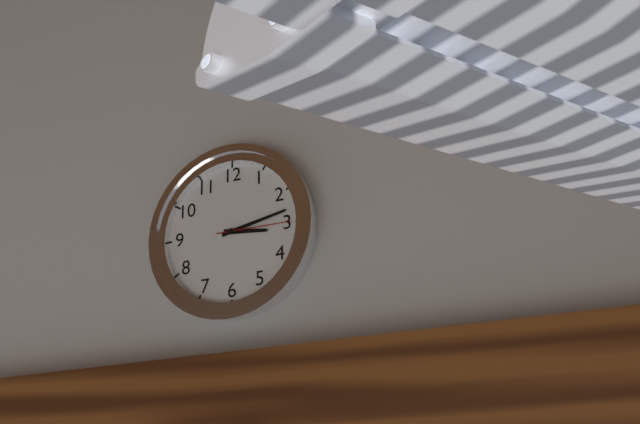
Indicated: 3 h 13 min 15 s
